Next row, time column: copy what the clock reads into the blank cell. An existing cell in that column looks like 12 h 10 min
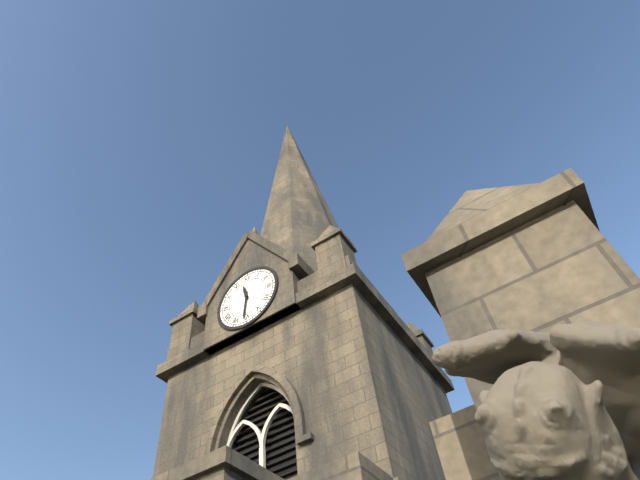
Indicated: 11 h 31 min
